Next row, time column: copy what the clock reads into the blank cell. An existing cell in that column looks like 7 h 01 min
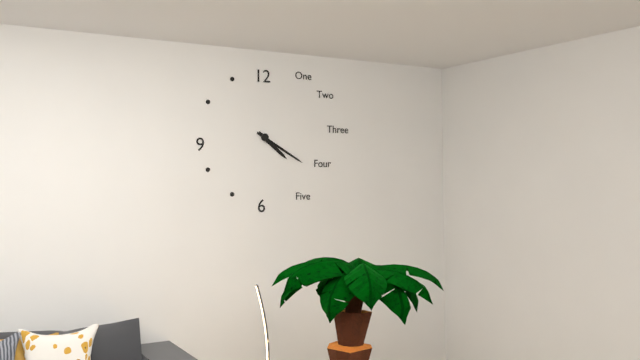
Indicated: 4 h 20 min
